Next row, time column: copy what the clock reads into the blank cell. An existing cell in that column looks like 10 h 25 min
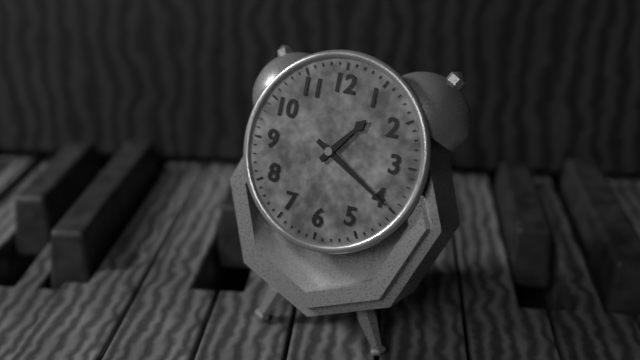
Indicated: 1 h 20 min
